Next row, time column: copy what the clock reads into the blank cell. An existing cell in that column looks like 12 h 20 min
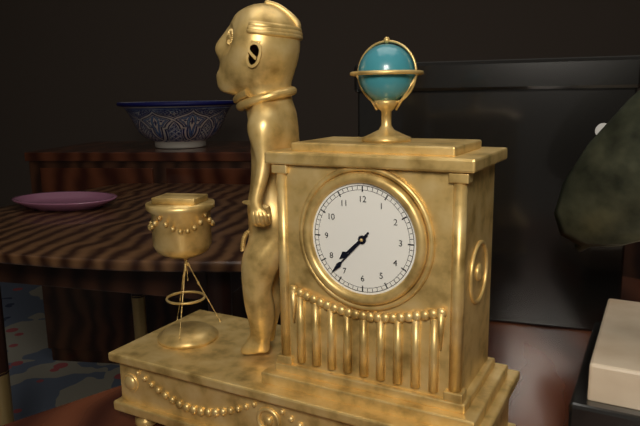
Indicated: 7 h 37 min
